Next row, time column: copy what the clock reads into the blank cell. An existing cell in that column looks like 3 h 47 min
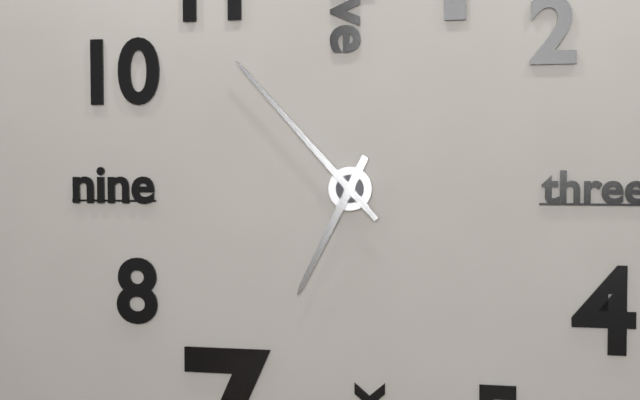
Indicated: 6 h 53 min
